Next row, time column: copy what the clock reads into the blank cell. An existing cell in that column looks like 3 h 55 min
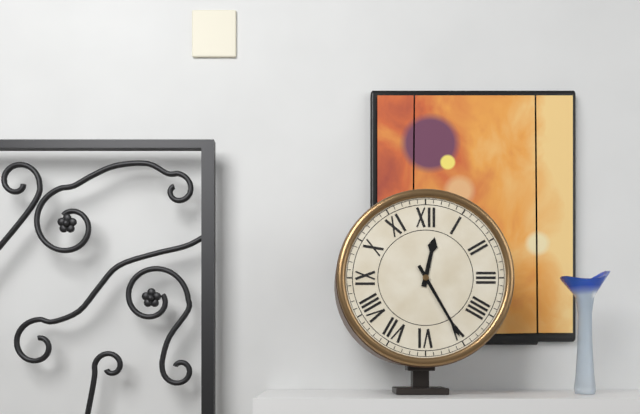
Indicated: 12 h 25 min
